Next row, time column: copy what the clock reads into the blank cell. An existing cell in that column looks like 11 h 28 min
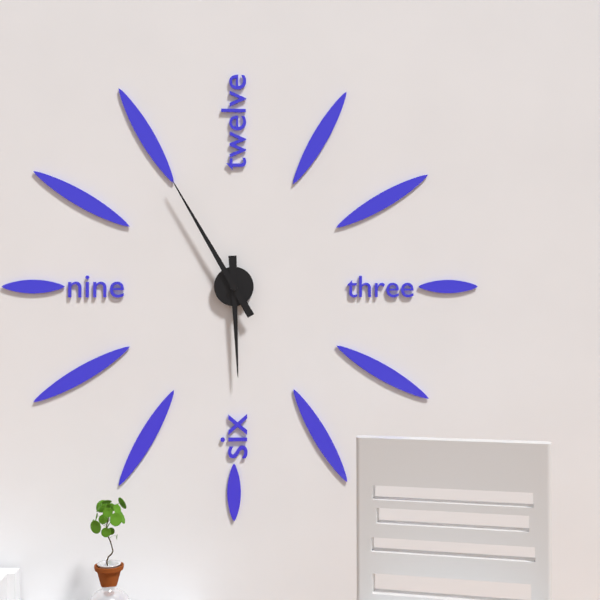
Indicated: 5 h 55 min
